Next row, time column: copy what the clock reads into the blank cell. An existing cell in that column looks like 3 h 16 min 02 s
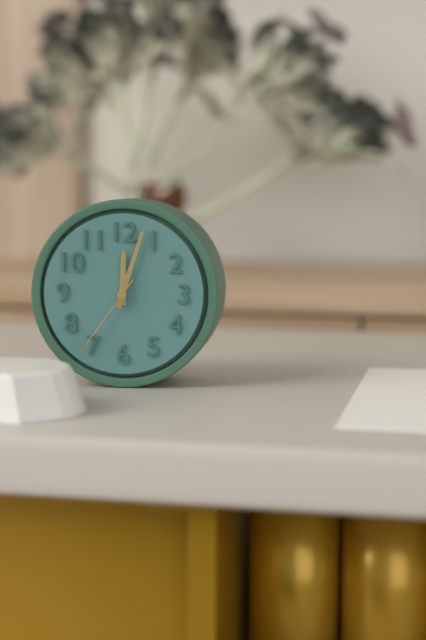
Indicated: 12 h 03 min 36 s
